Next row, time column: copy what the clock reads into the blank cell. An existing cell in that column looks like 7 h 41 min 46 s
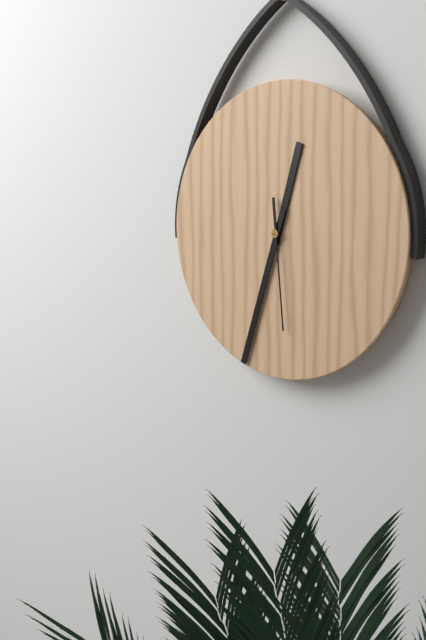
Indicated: 12 h 33 min 29 s
